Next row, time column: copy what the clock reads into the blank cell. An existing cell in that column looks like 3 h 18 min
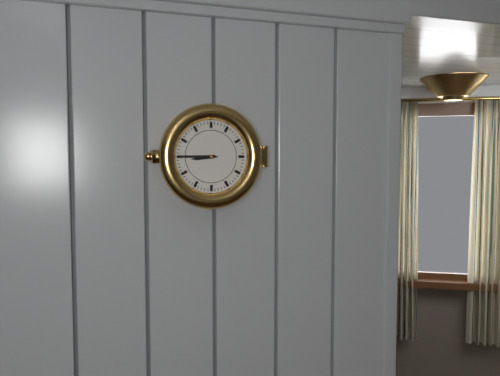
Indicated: 8 h 45 min
